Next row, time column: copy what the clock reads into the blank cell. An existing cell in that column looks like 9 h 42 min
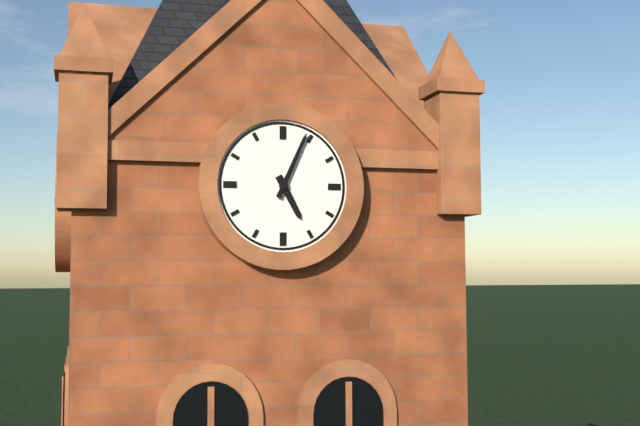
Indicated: 5 h 04 min
